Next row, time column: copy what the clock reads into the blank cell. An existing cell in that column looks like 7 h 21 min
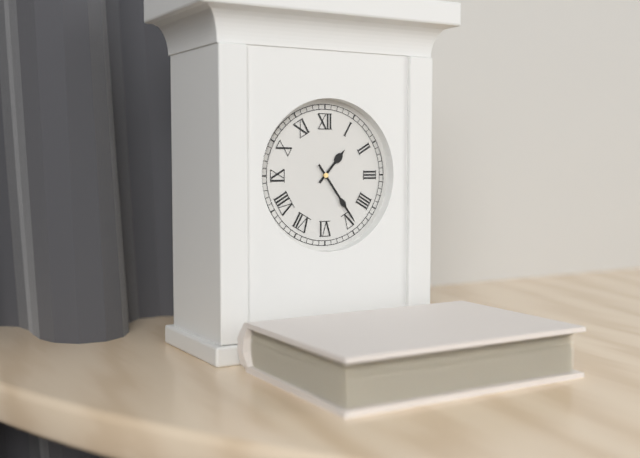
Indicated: 1 h 24 min
